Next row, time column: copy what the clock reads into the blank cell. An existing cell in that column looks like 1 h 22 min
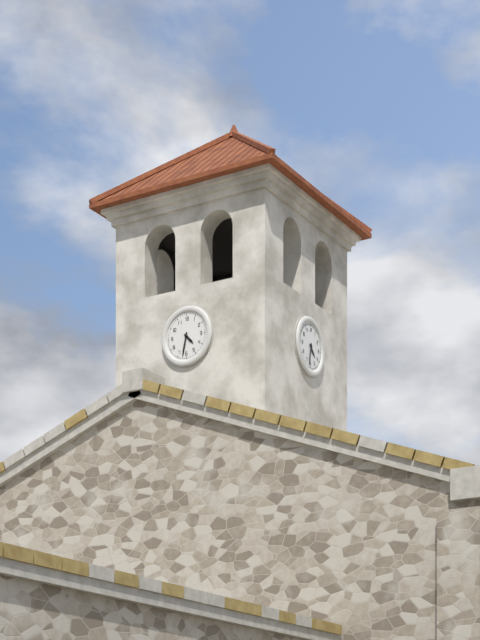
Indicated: 4 h 32 min
